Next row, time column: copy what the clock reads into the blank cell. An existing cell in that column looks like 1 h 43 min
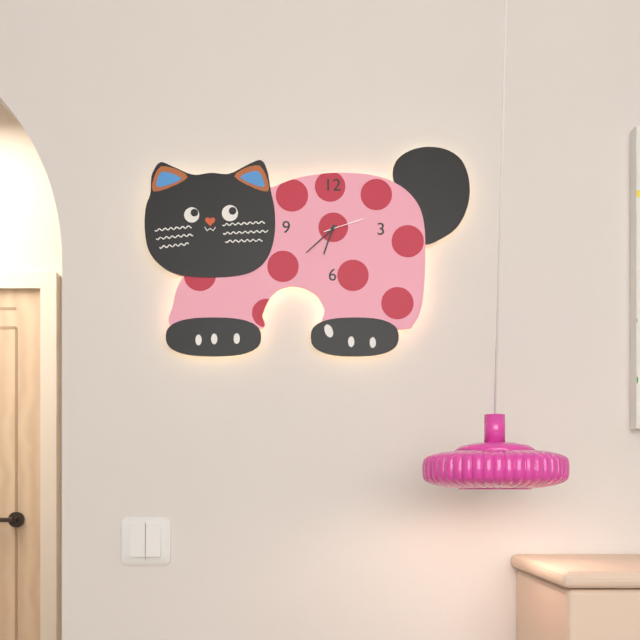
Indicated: 6 h 38 min
